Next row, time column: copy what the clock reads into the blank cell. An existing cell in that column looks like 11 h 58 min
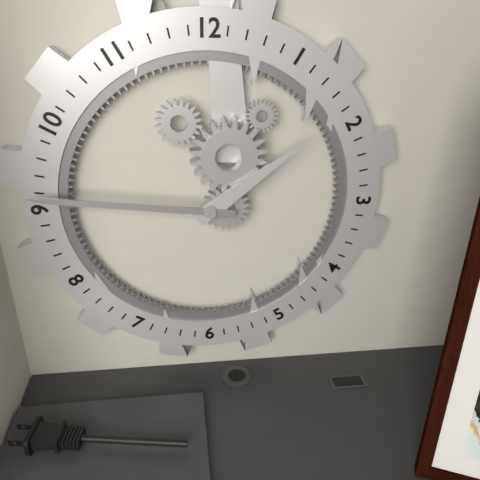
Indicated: 1 h 46 min
